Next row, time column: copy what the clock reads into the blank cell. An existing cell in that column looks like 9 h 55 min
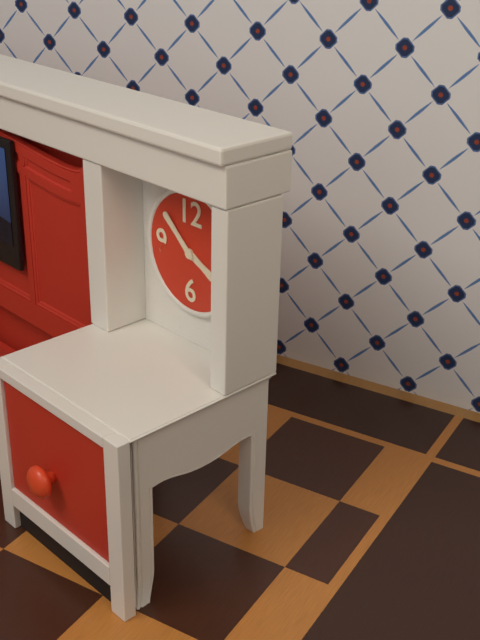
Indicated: 3 h 52 min
